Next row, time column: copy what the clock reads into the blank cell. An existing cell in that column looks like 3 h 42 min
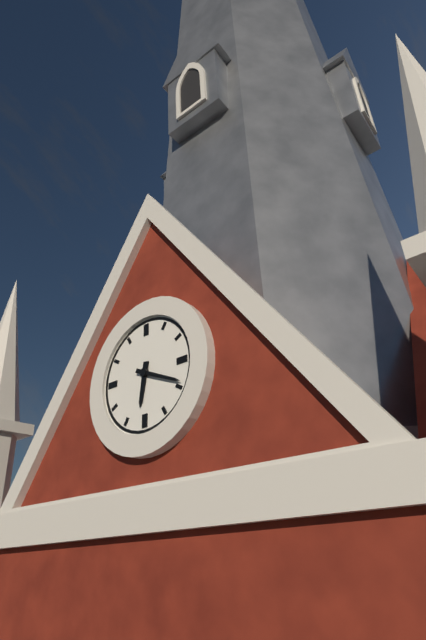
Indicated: 6 h 19 min
